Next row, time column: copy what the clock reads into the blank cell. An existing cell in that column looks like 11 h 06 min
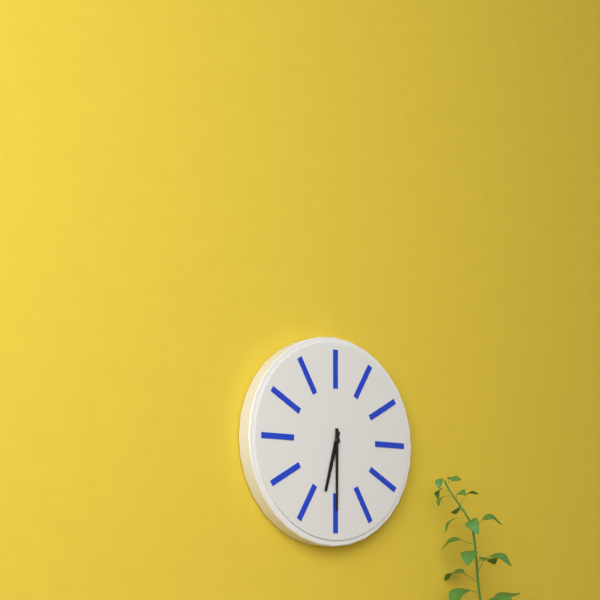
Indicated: 6 h 30 min
